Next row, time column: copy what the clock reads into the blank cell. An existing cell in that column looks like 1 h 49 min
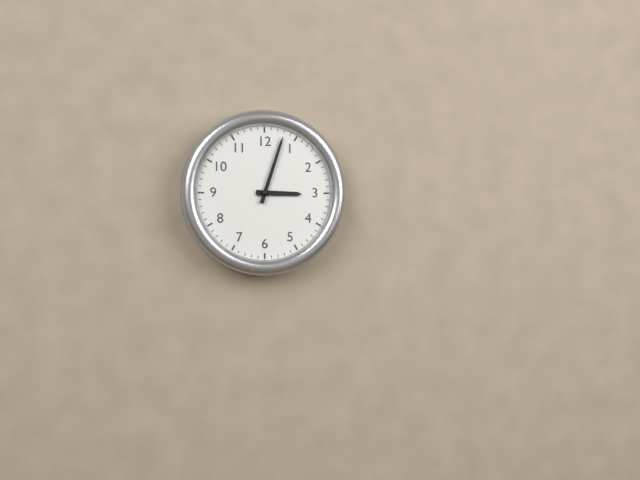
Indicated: 3 h 03 min
